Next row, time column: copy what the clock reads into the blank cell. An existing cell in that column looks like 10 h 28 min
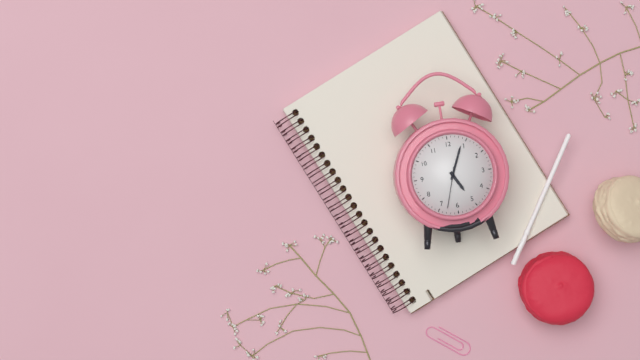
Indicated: 5 h 04 min
